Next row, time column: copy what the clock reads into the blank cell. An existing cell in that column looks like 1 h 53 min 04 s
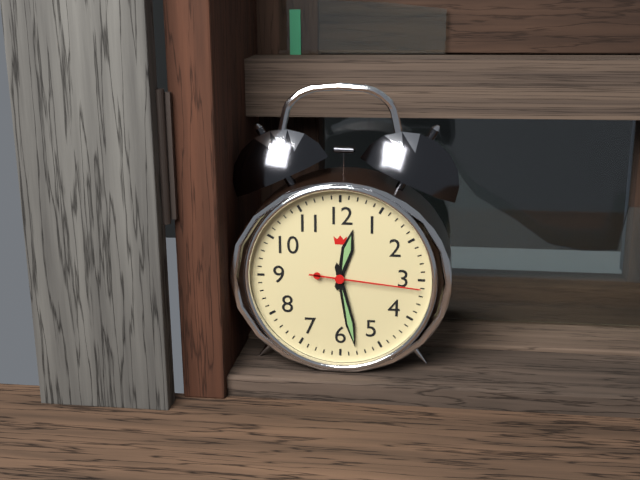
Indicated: 12 h 28 min 16 s
